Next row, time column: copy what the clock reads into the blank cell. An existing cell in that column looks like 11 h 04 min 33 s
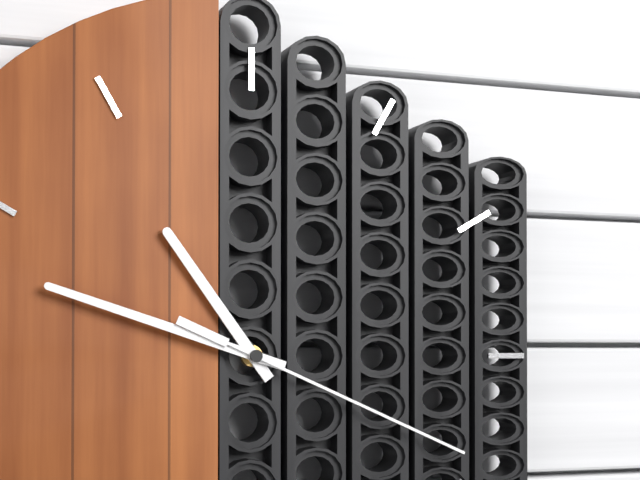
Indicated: 10 h 48 min 19 s
